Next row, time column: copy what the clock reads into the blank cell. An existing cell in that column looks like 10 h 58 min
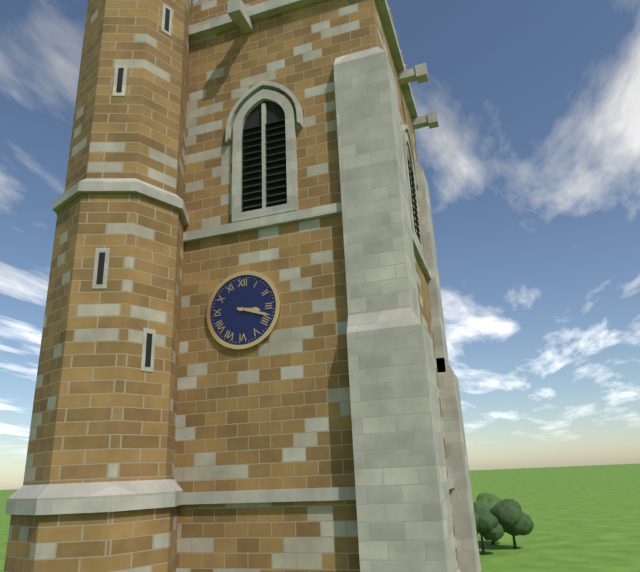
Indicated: 3 h 18 min
